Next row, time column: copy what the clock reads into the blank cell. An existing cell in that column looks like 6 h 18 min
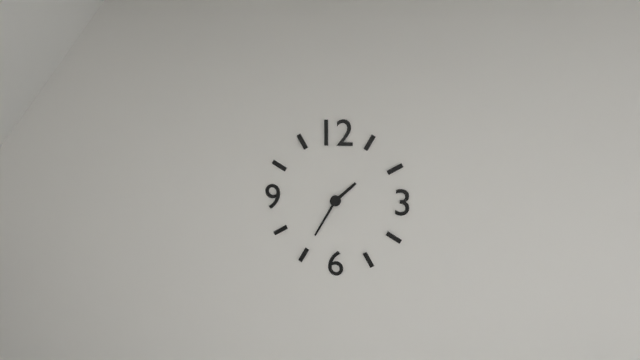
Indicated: 1 h 35 min
